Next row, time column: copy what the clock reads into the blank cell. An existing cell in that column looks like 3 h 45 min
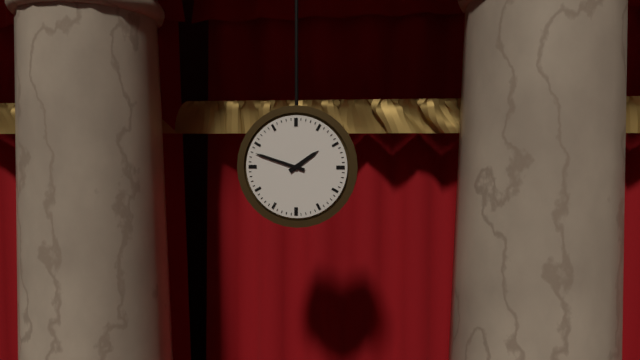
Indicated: 1 h 48 min
